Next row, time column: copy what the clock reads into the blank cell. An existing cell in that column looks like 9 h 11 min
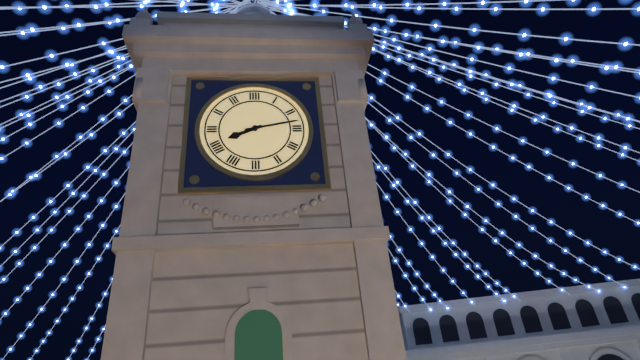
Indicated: 8 h 13 min
